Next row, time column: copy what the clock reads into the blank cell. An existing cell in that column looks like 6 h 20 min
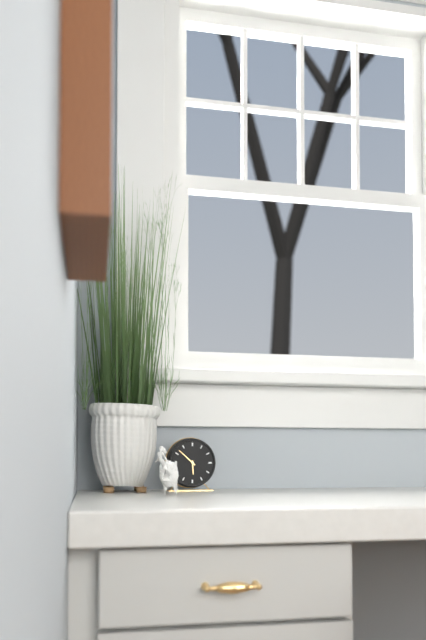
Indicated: 5 h 52 min
